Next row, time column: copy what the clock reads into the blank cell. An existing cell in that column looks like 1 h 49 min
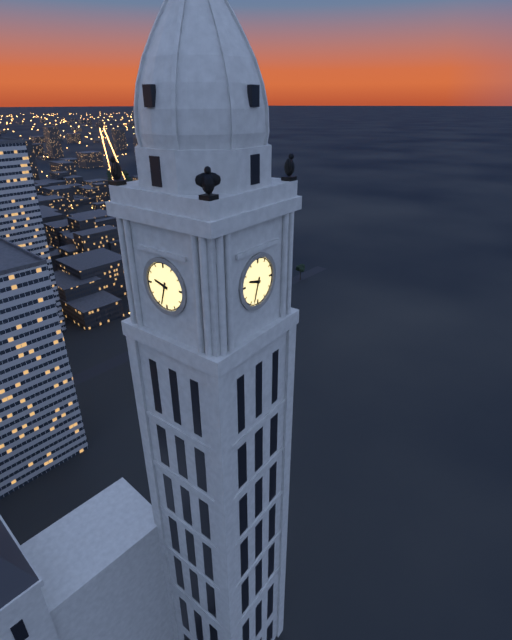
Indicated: 9 h 33 min
